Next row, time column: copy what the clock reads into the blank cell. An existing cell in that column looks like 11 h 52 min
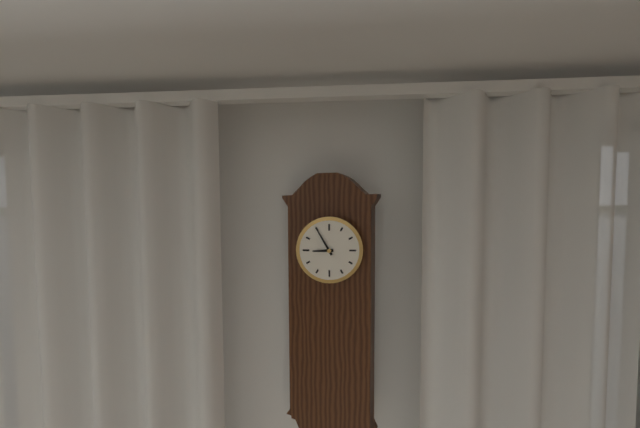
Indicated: 8 h 55 min
